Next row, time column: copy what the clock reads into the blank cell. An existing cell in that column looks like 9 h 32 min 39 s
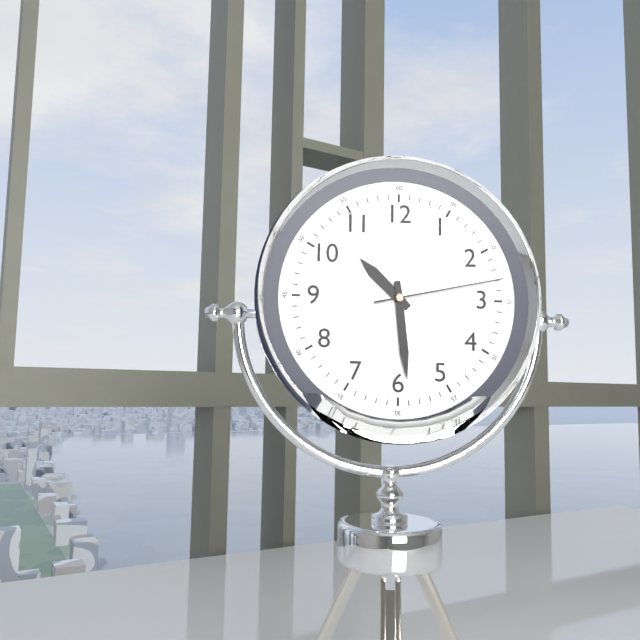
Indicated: 10 h 29 min 13 s
